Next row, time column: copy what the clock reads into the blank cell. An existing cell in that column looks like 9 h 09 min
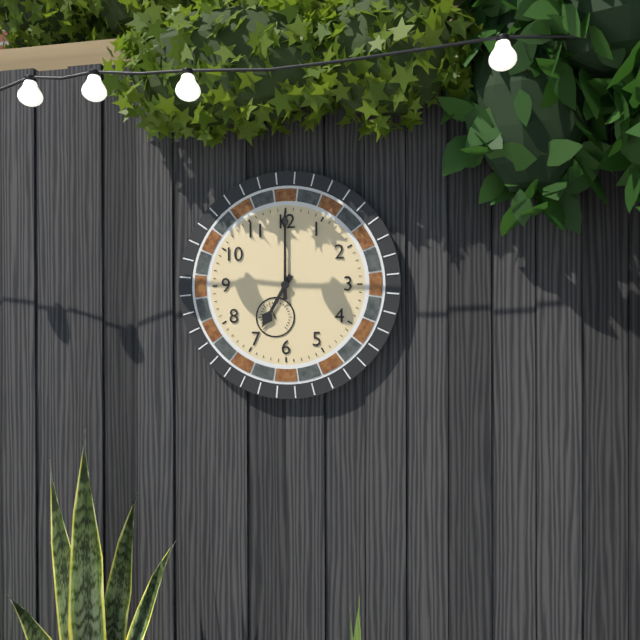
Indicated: 7 h 00 min
